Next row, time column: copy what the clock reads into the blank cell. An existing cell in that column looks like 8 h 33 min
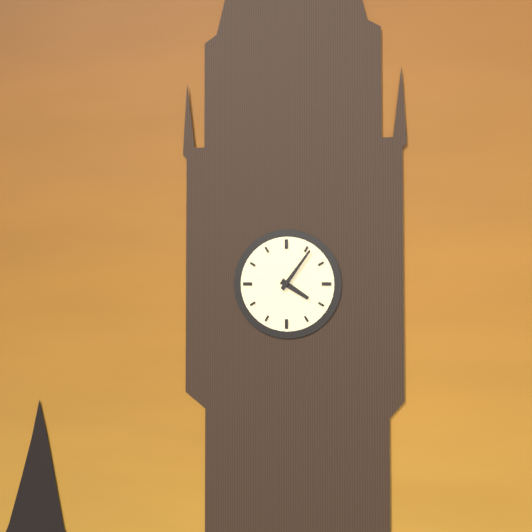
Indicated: 4 h 06 min
